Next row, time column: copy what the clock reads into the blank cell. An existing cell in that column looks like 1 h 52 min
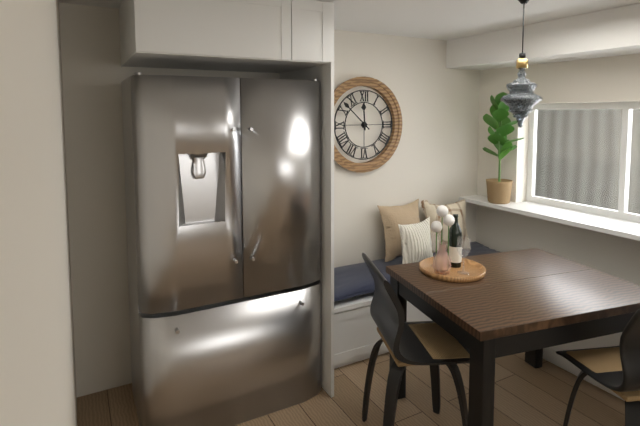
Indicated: 11 h 52 min
